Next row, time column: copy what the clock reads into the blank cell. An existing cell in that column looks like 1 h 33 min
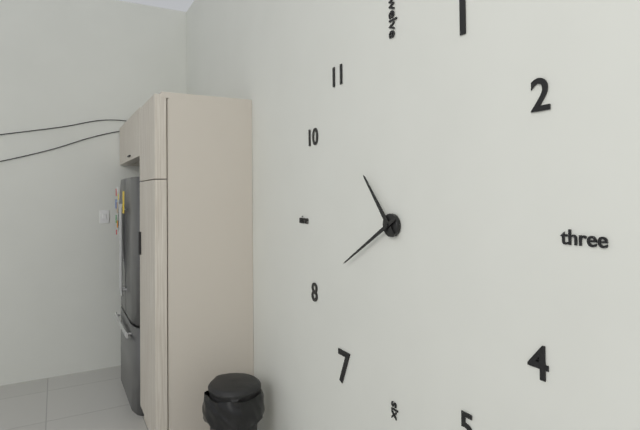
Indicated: 10 h 40 min
